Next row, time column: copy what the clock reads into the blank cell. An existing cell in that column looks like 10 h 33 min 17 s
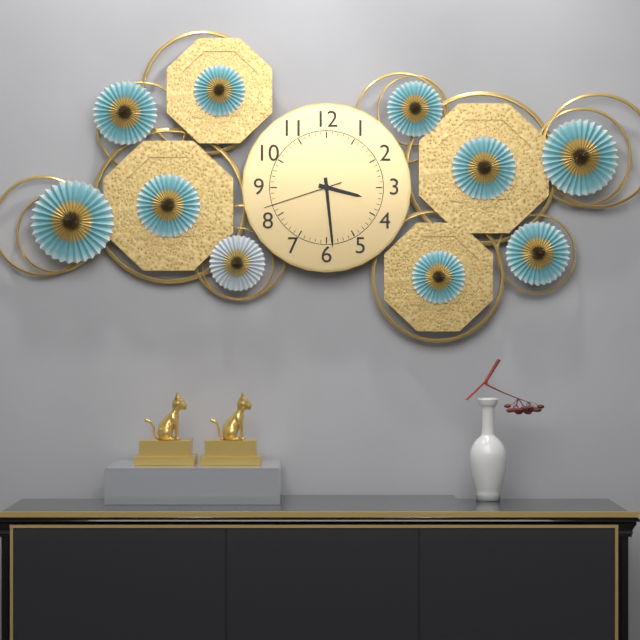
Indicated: 3 h 29 min 42 s
